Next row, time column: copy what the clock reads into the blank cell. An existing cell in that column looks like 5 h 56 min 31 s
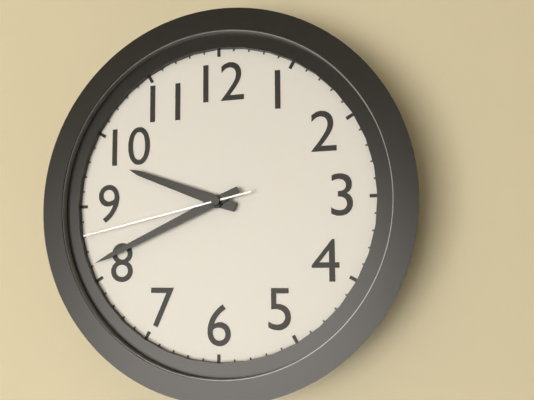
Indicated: 9 h 41 min 43 s
